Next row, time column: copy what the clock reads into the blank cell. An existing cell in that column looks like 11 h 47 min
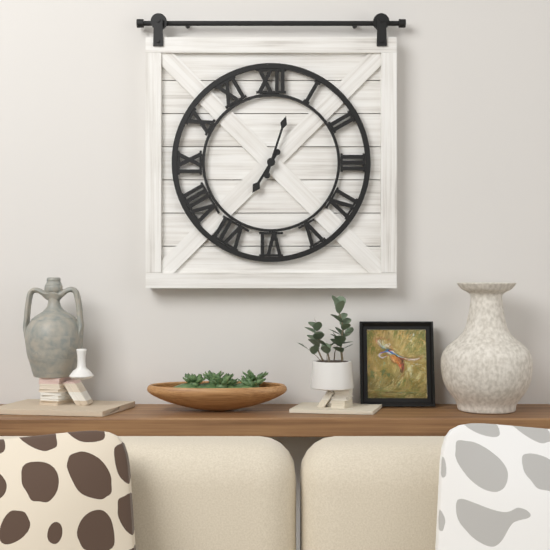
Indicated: 7 h 03 min
